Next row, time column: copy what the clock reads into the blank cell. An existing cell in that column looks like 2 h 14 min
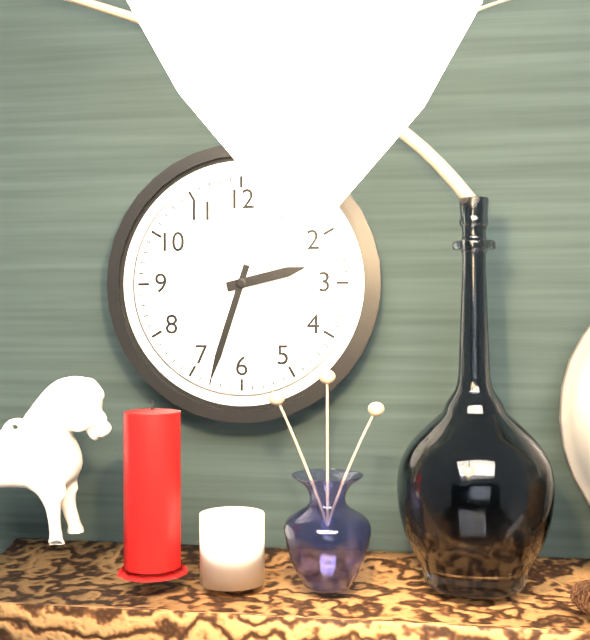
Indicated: 2 h 33 min
